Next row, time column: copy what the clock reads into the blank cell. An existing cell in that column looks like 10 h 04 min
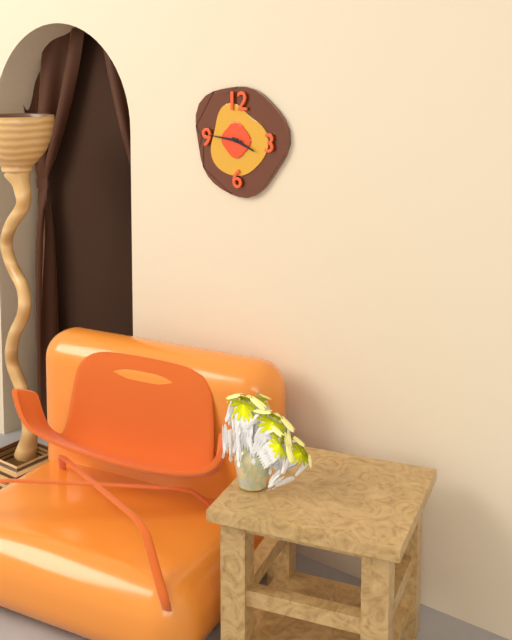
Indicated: 3 h 46 min
